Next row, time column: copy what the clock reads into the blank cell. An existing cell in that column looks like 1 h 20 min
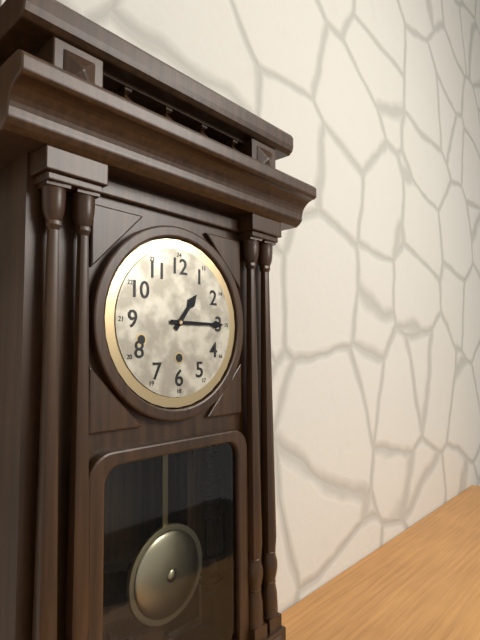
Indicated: 1 h 15 min
